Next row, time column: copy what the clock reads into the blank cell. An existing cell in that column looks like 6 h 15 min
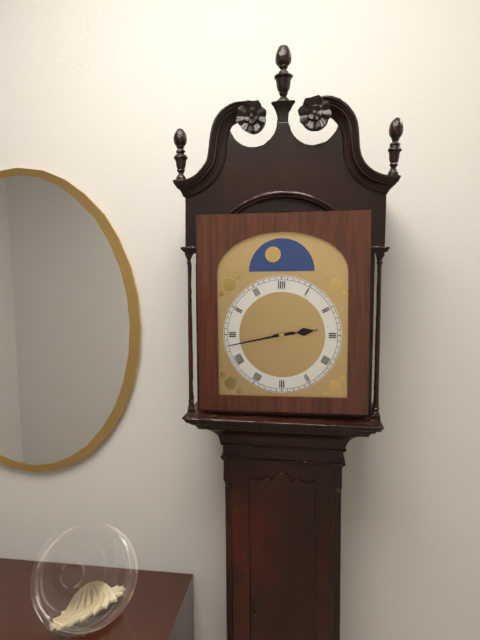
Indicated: 2 h 43 min
